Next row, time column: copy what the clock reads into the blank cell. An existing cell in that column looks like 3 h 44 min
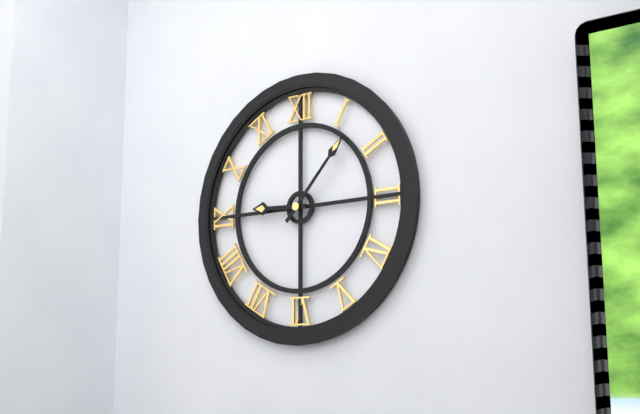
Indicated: 9 h 07 min
